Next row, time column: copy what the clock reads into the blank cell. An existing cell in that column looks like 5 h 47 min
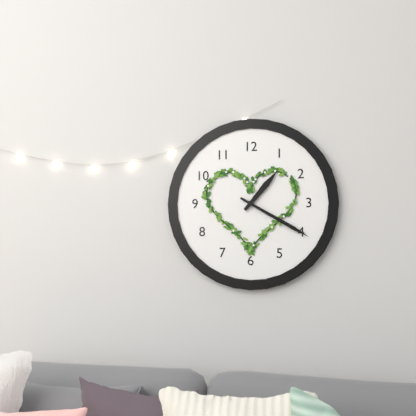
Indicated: 1 h 20 min
